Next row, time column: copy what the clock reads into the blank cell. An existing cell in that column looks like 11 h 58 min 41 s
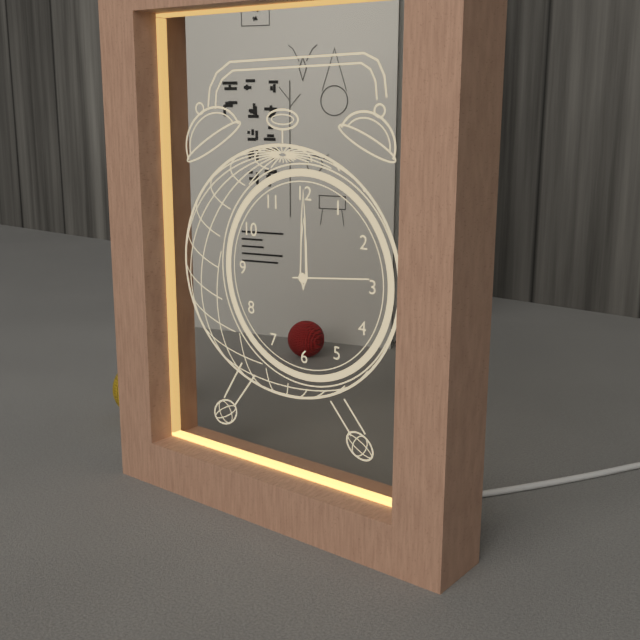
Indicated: 12 h 00 min 14 s
